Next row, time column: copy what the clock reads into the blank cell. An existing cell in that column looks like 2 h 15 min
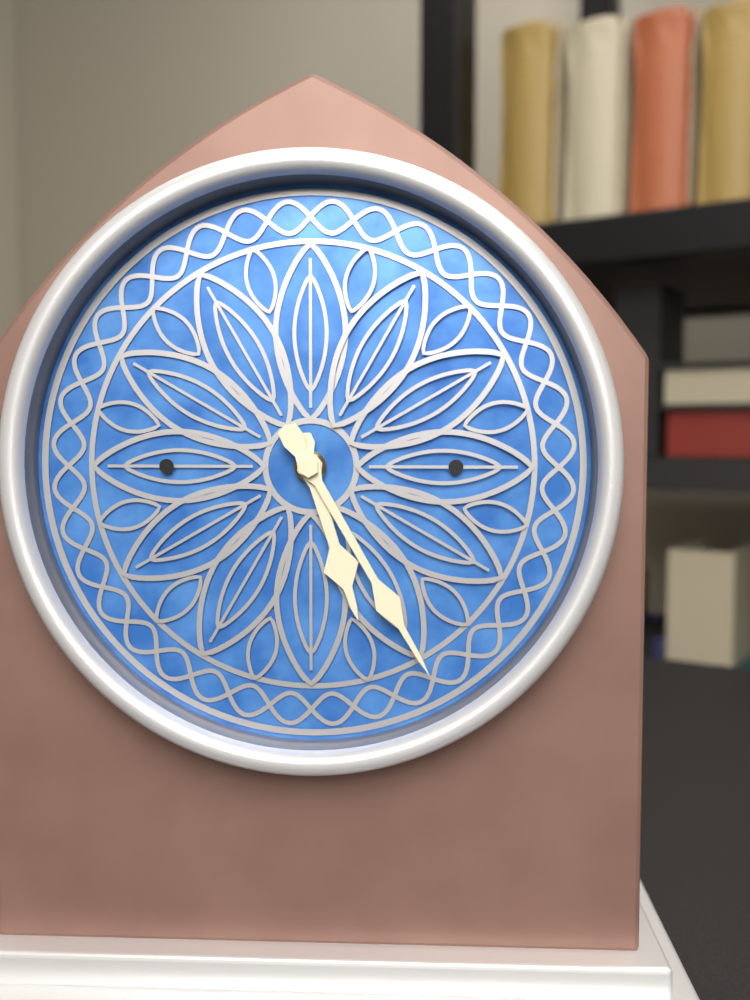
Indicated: 5 h 25 min
